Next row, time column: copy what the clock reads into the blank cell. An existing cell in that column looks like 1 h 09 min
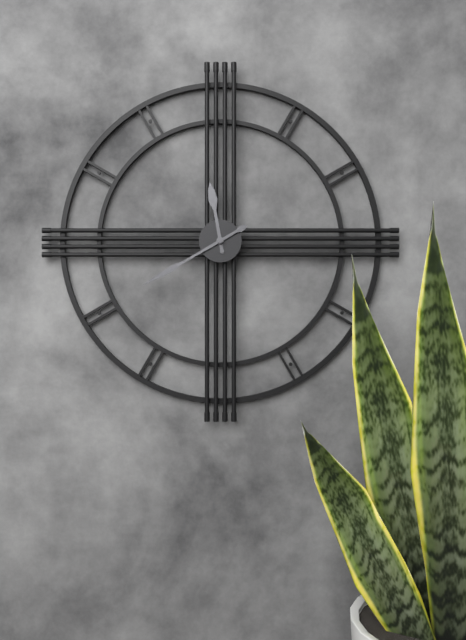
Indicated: 11 h 40 min
